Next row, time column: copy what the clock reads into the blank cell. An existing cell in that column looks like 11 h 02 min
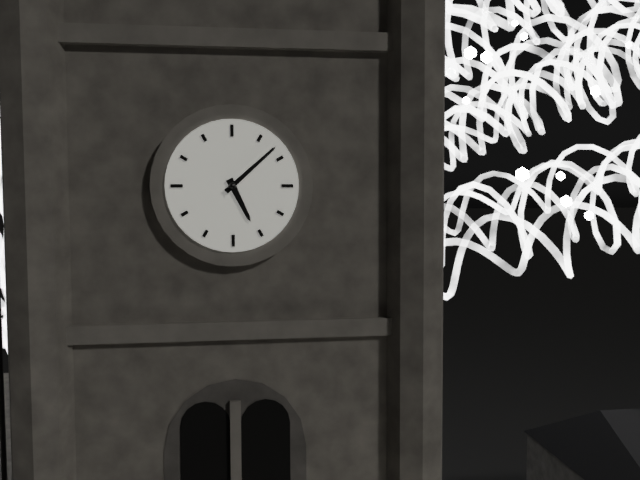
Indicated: 5 h 08 min
